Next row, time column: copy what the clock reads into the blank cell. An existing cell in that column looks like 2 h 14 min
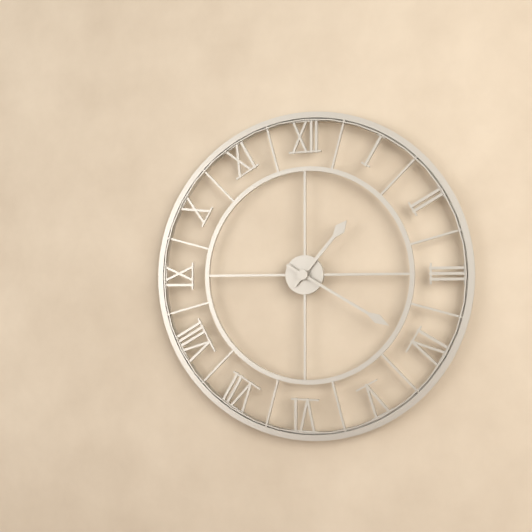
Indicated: 1 h 20 min
